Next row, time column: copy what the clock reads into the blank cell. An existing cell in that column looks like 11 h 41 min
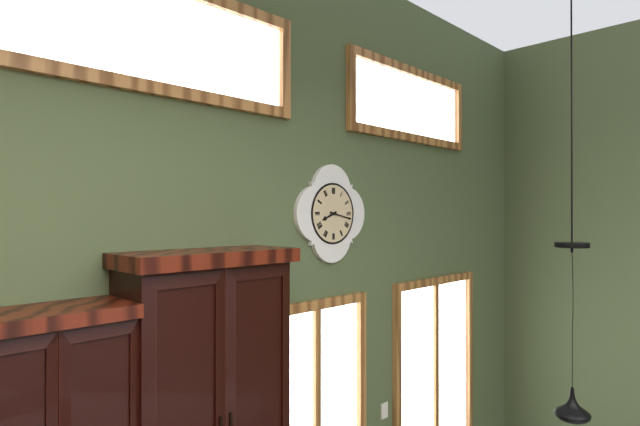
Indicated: 8 h 17 min
